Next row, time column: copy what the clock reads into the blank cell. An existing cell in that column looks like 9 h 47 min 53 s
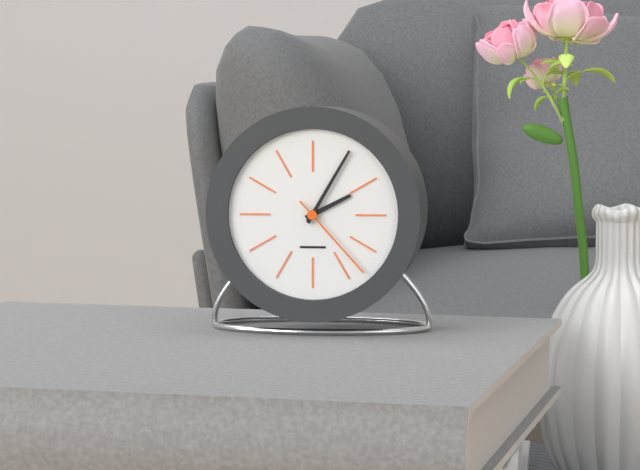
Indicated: 2 h 05 min 23 s
